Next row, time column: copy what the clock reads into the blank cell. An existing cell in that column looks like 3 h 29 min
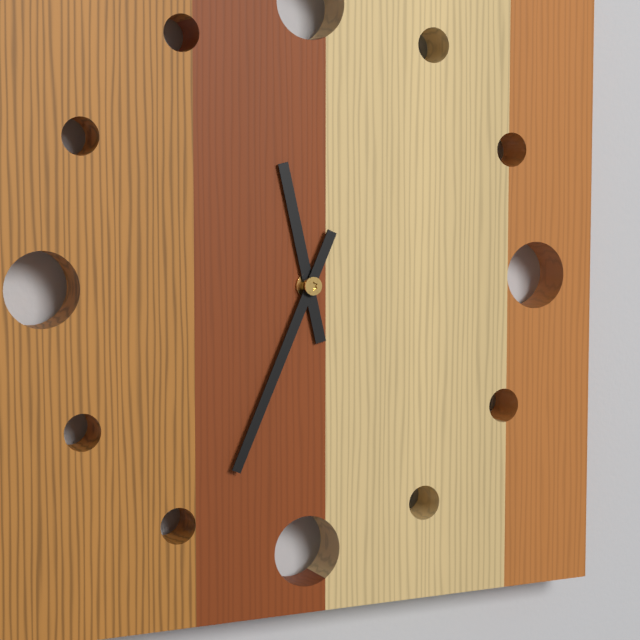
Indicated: 11 h 34 min
